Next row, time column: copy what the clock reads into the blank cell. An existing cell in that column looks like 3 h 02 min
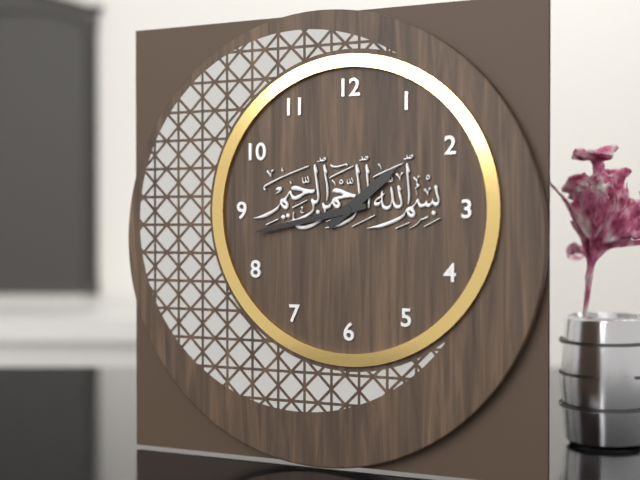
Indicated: 1 h 43 min
